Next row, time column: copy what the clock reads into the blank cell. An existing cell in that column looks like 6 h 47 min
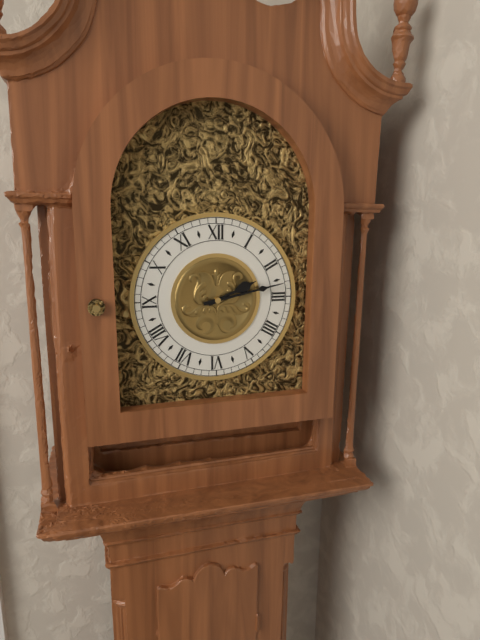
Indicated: 2 h 13 min
